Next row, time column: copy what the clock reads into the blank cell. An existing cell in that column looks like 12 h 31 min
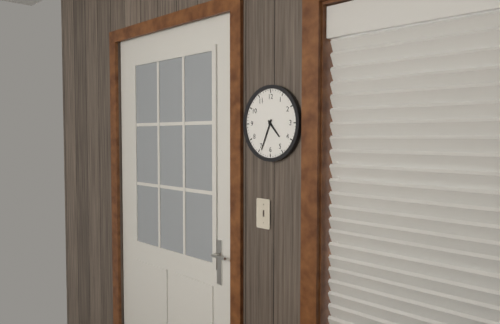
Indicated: 4 h 34 min
